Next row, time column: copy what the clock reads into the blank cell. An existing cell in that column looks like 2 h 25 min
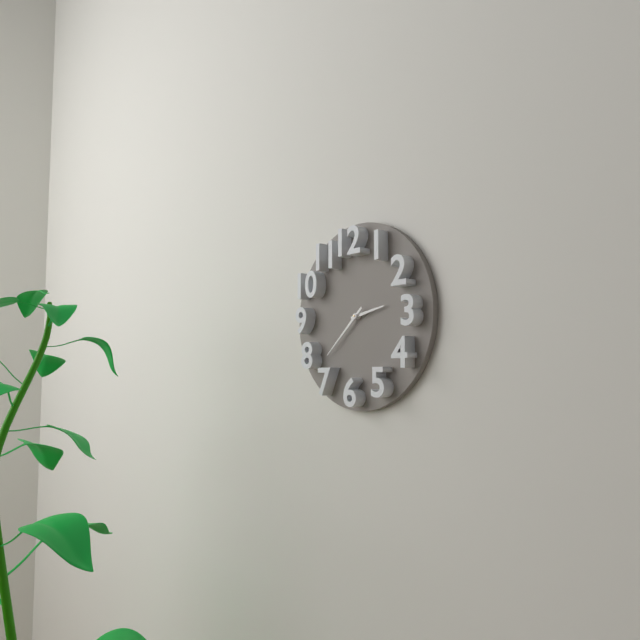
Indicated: 2 h 38 min
